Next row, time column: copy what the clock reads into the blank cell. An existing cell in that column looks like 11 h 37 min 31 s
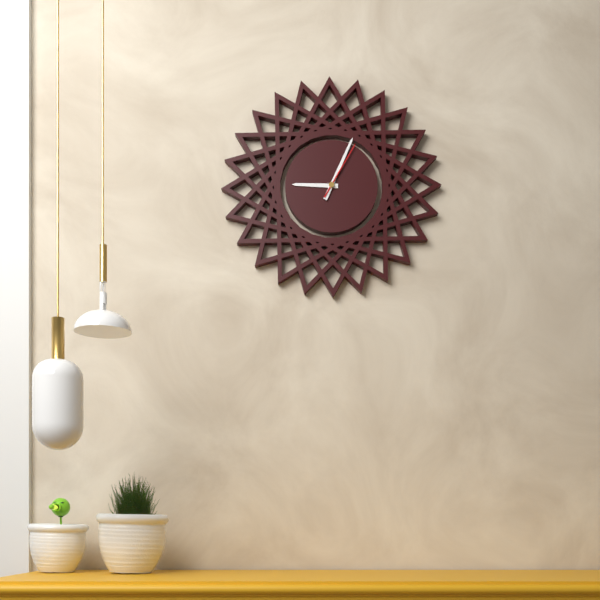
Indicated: 9 h 04 min 05 s
